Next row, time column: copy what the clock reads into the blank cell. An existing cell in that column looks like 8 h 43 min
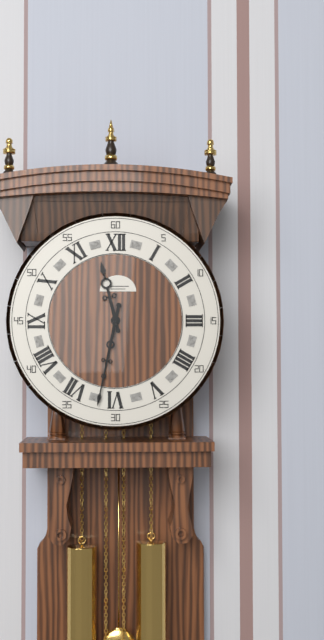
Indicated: 11 h 32 min
